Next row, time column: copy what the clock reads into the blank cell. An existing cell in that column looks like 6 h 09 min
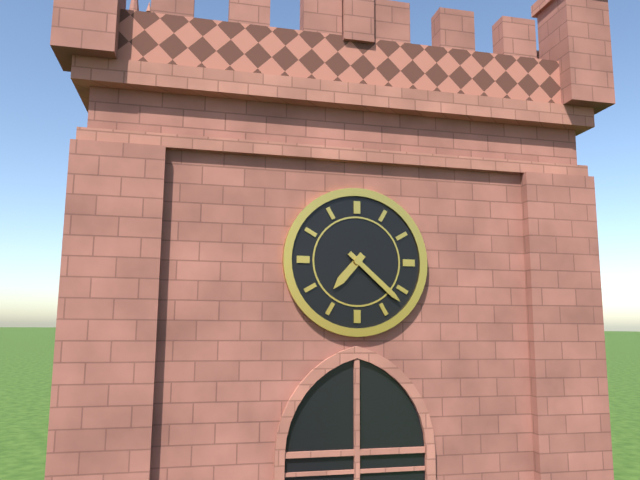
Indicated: 7 h 22 min
